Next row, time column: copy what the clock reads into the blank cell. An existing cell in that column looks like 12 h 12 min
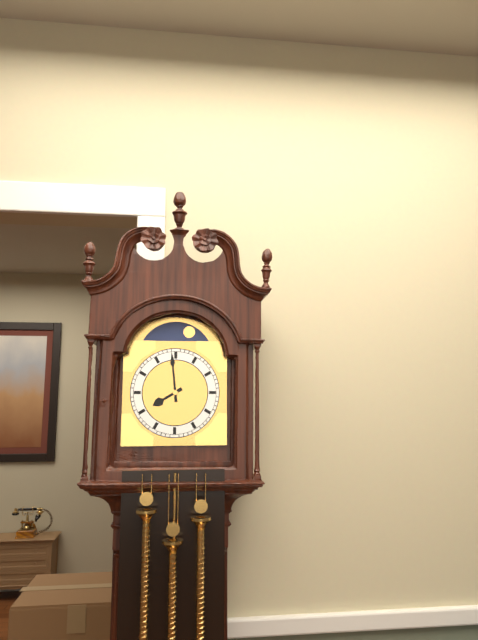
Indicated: 7 h 59 min
